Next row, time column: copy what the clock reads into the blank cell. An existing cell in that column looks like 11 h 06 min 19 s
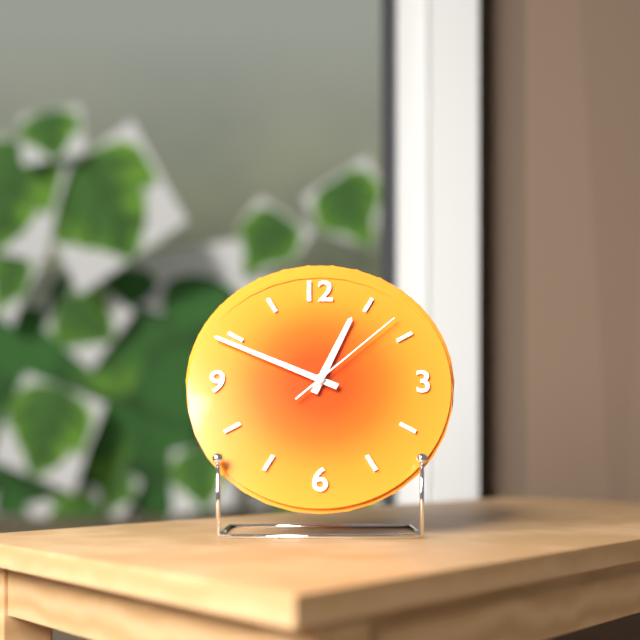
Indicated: 12 h 49 min 08 s
